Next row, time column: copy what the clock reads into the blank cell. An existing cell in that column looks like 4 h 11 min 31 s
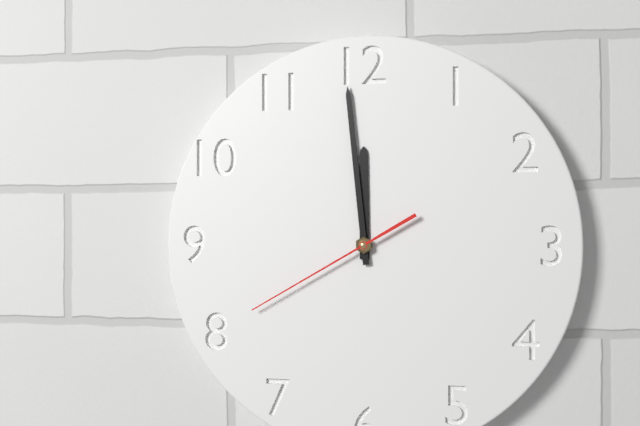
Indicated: 11 h 59 min 40 s
